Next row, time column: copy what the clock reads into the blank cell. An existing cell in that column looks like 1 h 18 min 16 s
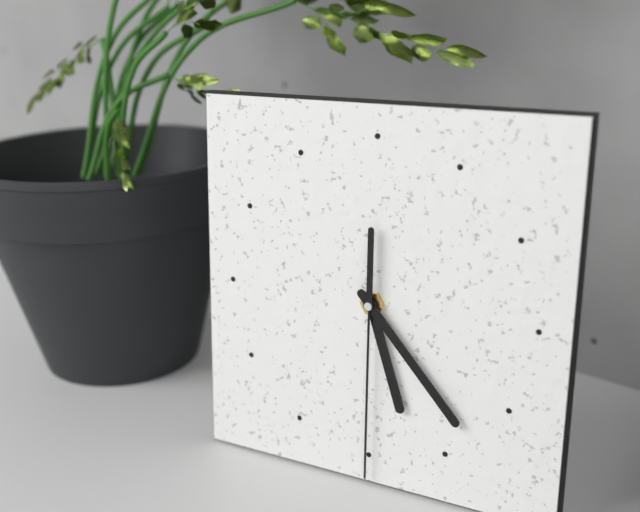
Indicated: 5 h 23 min 30 s
